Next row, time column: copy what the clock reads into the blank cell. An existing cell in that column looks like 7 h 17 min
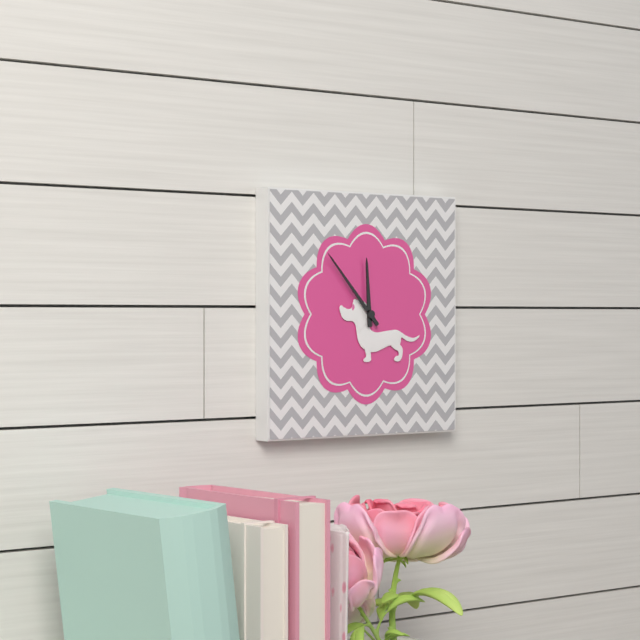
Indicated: 11 h 53 min
